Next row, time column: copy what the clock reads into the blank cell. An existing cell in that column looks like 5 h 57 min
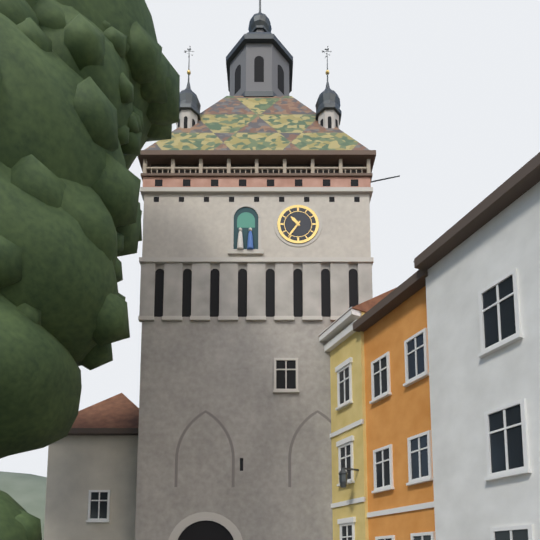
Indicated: 10 h 36 min
